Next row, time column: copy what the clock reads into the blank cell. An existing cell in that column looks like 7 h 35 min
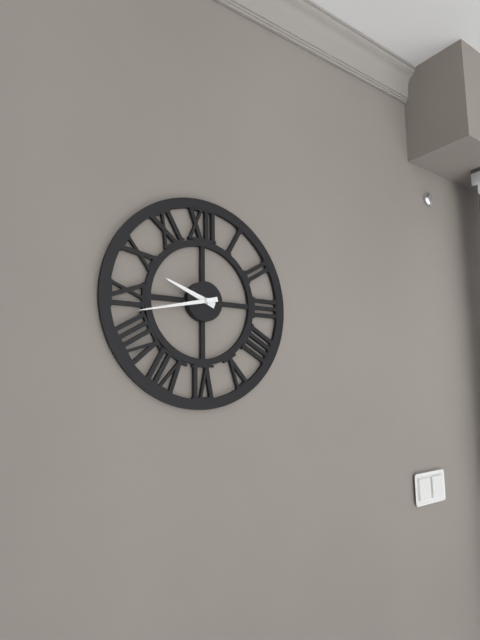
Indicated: 9 h 43 min
